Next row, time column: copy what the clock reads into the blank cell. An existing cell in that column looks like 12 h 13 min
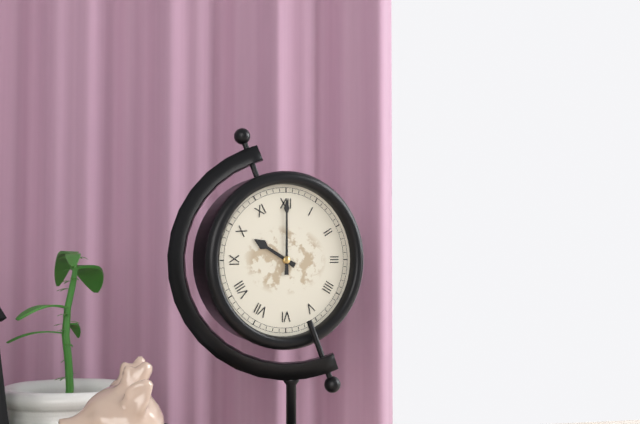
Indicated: 10 h 00 min
